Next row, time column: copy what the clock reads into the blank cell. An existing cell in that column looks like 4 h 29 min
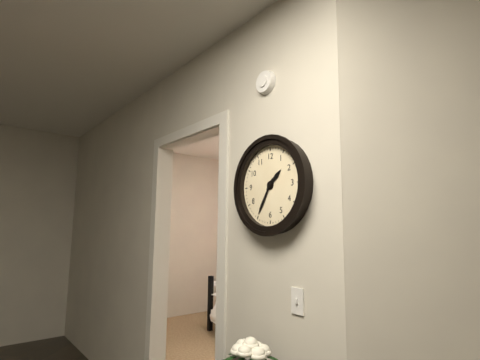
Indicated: 1 h 35 min
